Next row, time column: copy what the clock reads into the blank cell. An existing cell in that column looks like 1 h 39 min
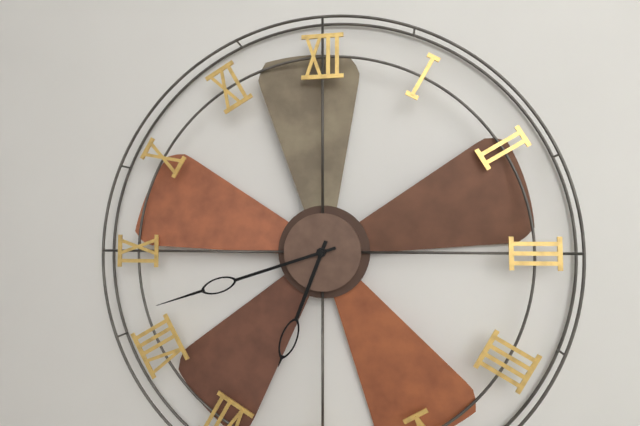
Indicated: 6 h 42 min
